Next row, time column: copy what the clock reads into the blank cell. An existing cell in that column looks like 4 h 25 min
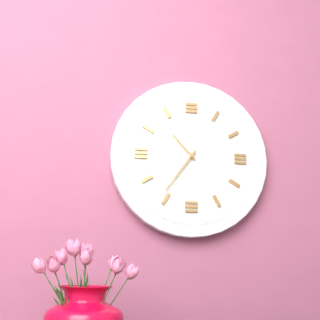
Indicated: 10 h 36 min
